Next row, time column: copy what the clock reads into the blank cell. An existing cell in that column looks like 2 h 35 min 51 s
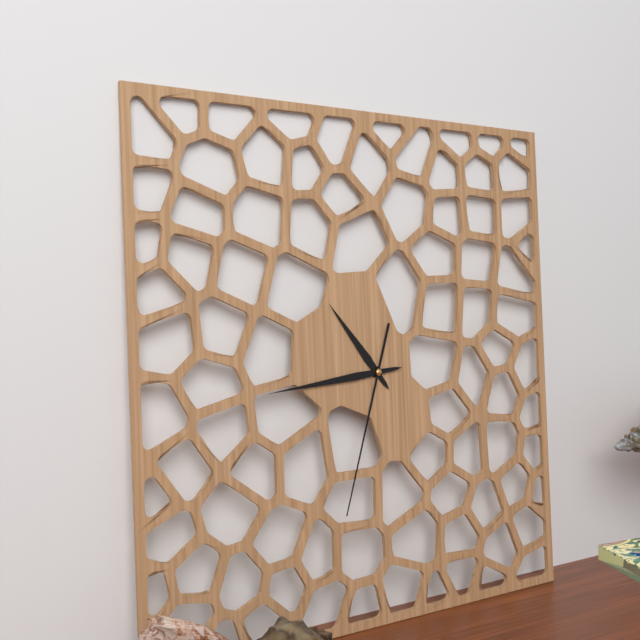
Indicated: 10 h 44 min 33 s
